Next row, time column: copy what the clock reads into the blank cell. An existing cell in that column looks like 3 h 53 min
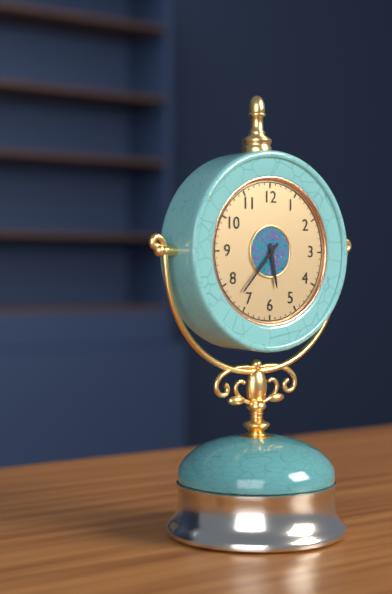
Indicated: 5 h 37 min
